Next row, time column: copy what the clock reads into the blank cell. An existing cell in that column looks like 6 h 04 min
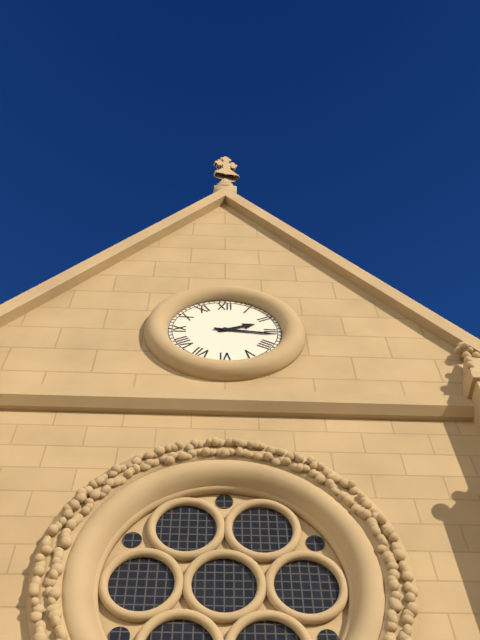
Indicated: 2 h 16 min
